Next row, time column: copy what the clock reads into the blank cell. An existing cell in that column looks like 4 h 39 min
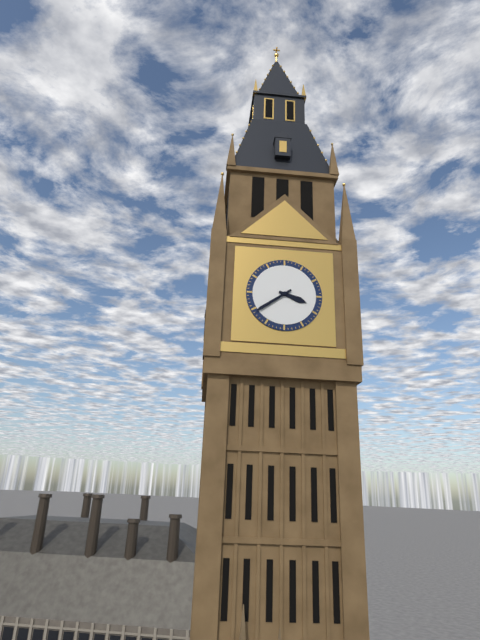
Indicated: 3 h 39 min
